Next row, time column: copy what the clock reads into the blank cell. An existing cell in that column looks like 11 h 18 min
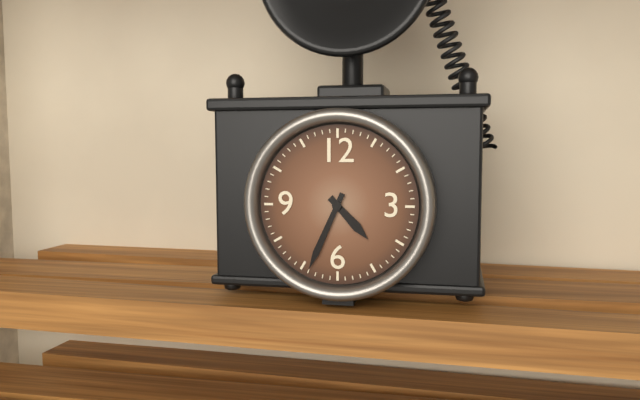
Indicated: 4 h 34 min
